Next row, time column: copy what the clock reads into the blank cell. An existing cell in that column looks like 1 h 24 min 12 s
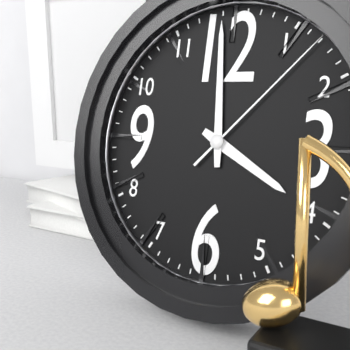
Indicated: 3 h 59 min 07 s
